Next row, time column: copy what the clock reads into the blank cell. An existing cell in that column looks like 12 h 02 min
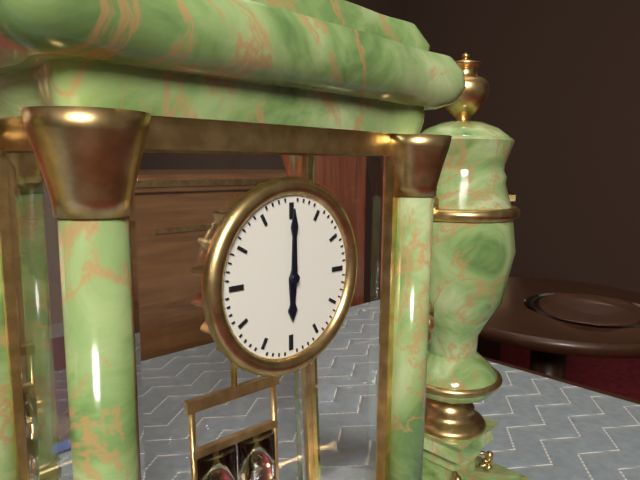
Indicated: 6 h 00 min
